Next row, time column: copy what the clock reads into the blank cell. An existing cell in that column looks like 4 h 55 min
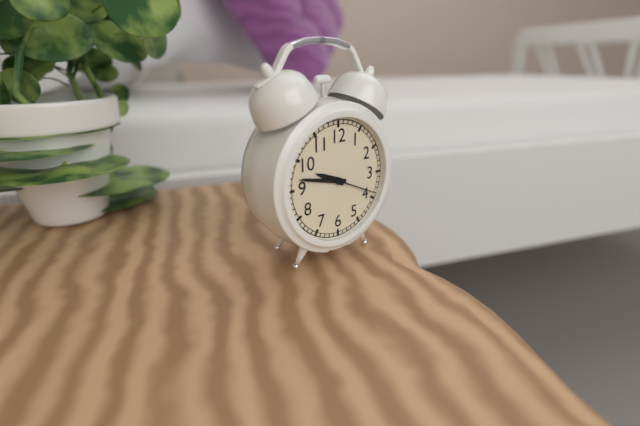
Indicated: 9 h 47 min
